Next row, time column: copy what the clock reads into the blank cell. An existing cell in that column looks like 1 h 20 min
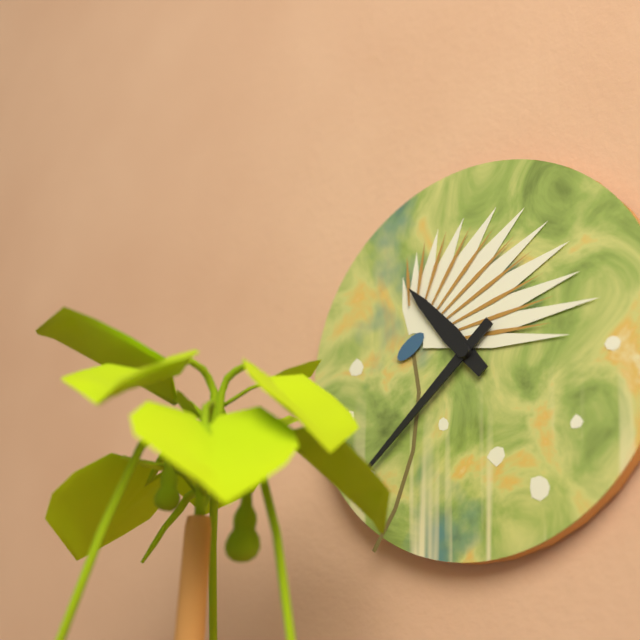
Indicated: 10 h 38 min
